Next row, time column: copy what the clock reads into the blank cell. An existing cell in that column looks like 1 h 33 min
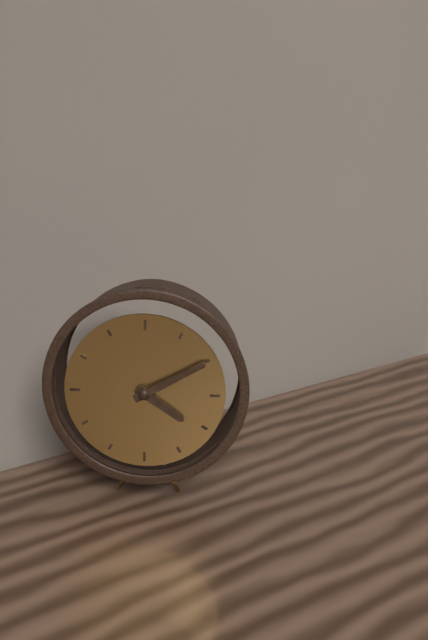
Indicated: 4 h 10 min
